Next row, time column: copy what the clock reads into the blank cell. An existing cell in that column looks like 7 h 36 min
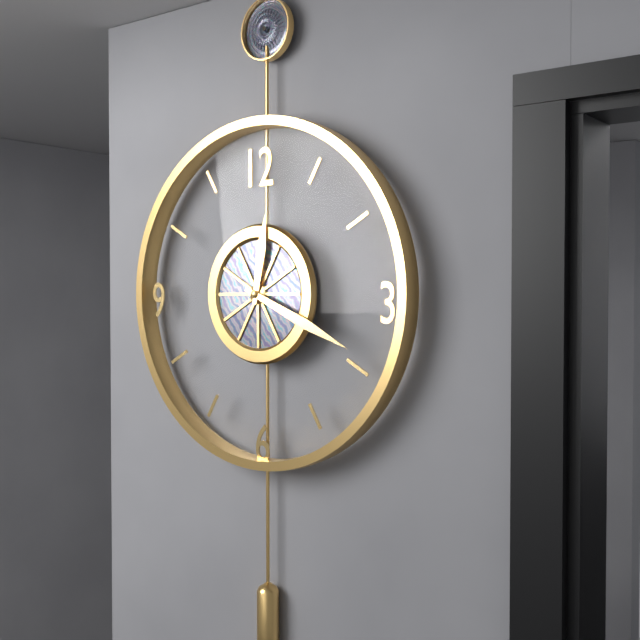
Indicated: 12 h 19 min
